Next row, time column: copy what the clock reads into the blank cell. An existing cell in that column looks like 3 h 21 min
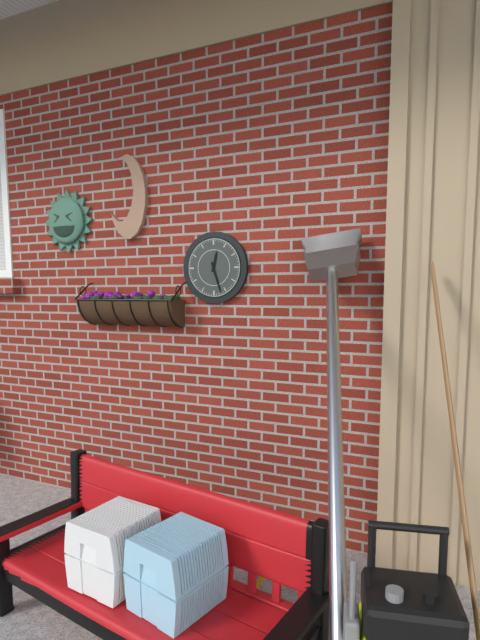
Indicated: 12 h 27 min
